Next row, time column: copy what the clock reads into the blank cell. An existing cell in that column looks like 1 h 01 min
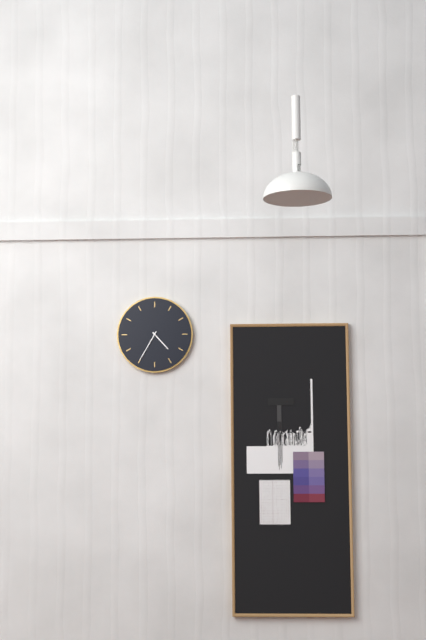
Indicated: 4 h 35 min
